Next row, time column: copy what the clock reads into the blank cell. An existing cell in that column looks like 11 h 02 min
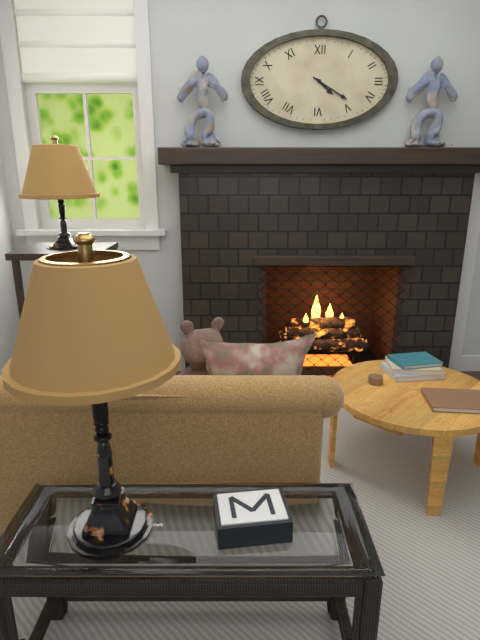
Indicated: 4 h 20 min
